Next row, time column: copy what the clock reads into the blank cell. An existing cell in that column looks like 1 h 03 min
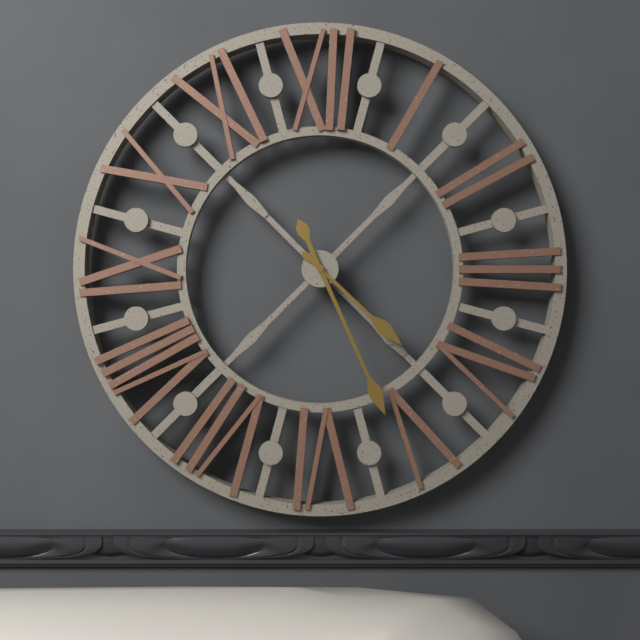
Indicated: 4 h 26 min
